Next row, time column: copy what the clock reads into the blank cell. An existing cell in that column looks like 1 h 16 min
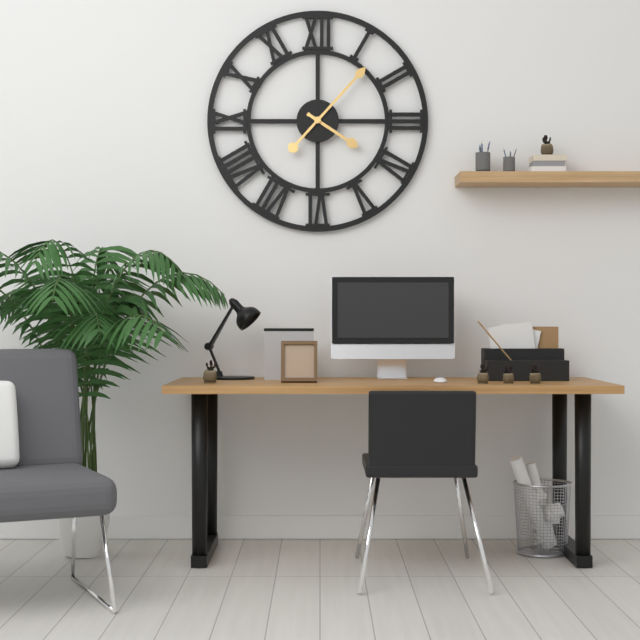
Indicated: 4 h 07 min
